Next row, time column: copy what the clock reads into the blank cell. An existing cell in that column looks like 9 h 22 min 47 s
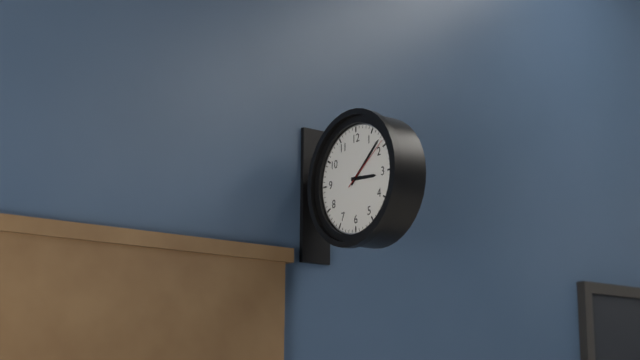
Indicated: 3 h 08 min 09 s
